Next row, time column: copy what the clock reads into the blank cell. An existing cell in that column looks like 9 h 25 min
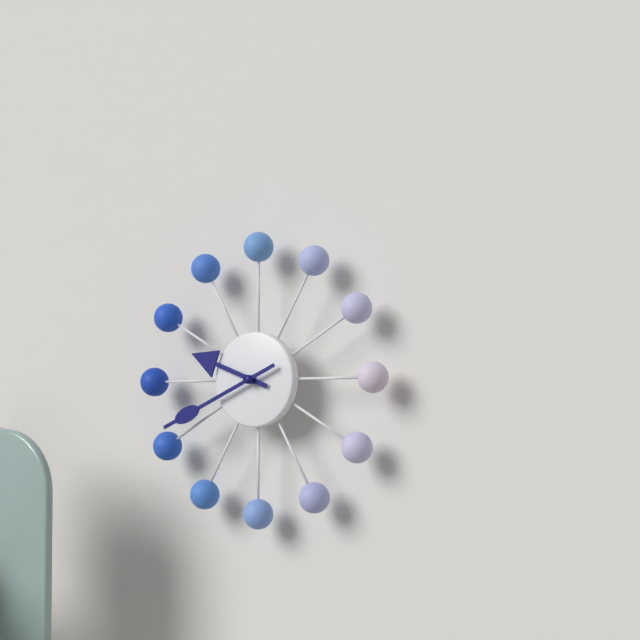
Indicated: 9 h 41 min
